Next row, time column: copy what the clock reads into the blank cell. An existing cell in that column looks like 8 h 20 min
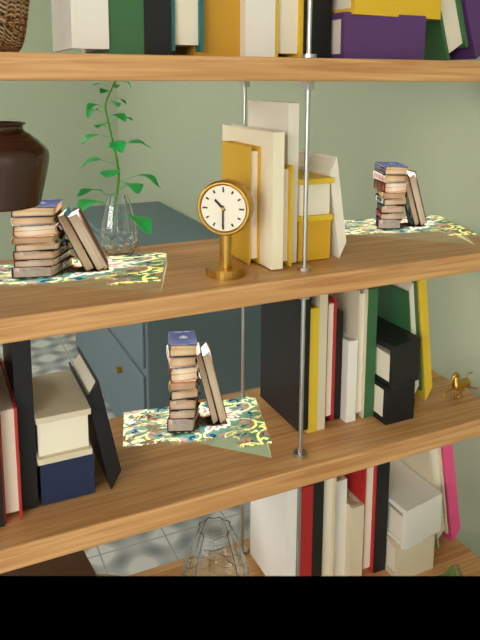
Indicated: 10 h 30 min
